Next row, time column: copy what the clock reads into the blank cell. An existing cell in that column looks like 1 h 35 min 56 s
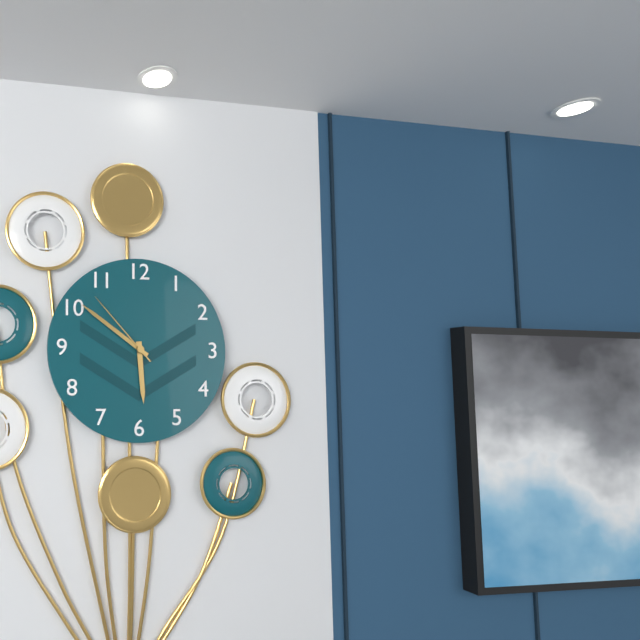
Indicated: 5 h 51 min 53 s
